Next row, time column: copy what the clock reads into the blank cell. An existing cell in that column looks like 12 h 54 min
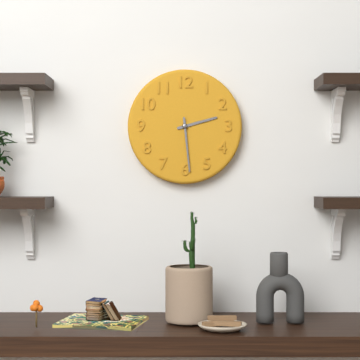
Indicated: 2 h 29 min
